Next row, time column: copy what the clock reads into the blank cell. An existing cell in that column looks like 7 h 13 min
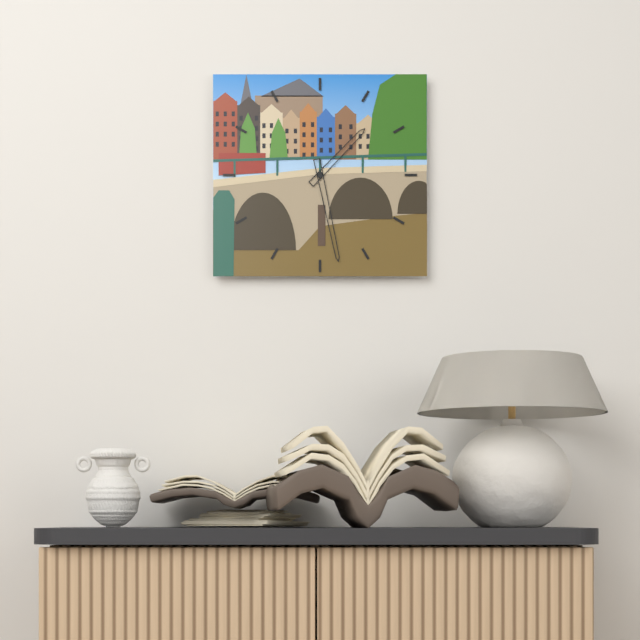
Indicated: 1 h 28 min
